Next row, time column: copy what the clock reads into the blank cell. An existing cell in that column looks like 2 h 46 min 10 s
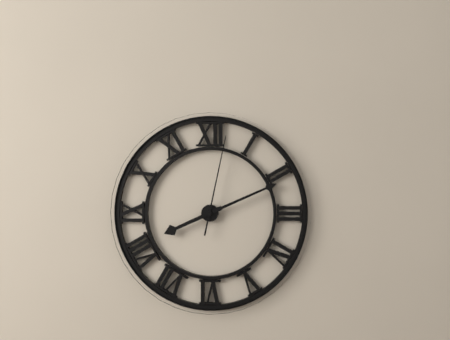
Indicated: 8 h 11 min 02 s
